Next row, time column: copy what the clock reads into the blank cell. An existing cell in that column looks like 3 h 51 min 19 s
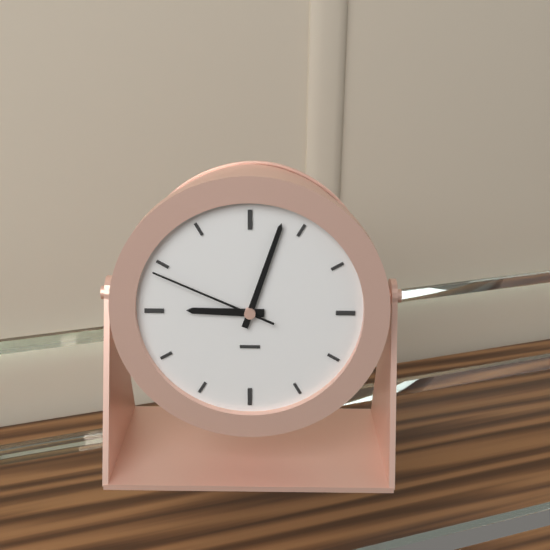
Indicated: 9 h 03 min 49 s
